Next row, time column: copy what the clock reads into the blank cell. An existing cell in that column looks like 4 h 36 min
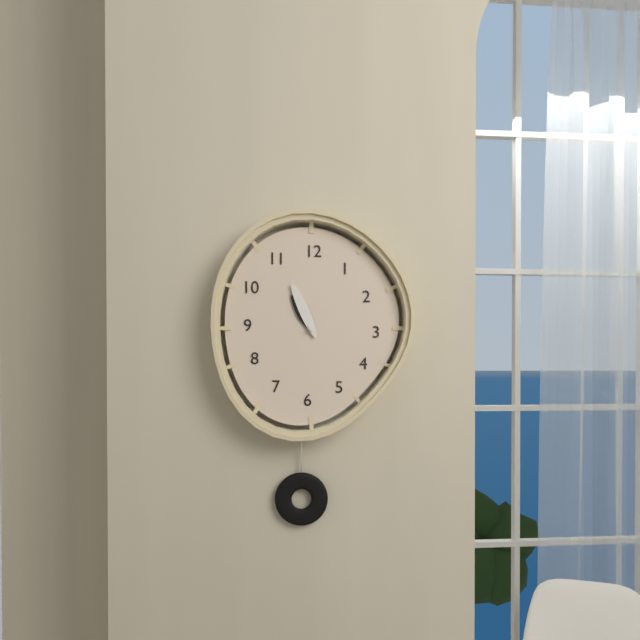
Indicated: 10 h 56 min
